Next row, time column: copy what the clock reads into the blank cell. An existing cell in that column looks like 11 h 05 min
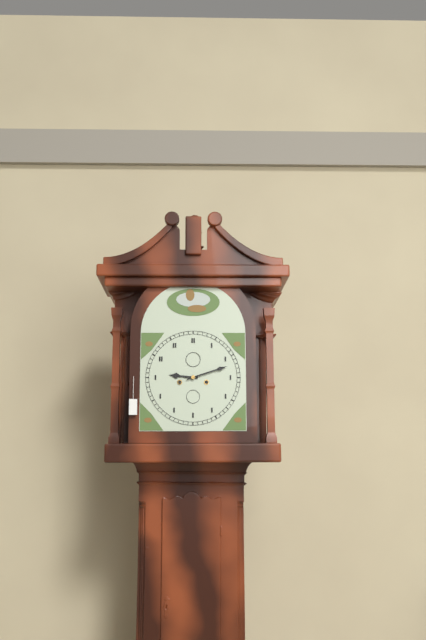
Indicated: 9 h 12 min
